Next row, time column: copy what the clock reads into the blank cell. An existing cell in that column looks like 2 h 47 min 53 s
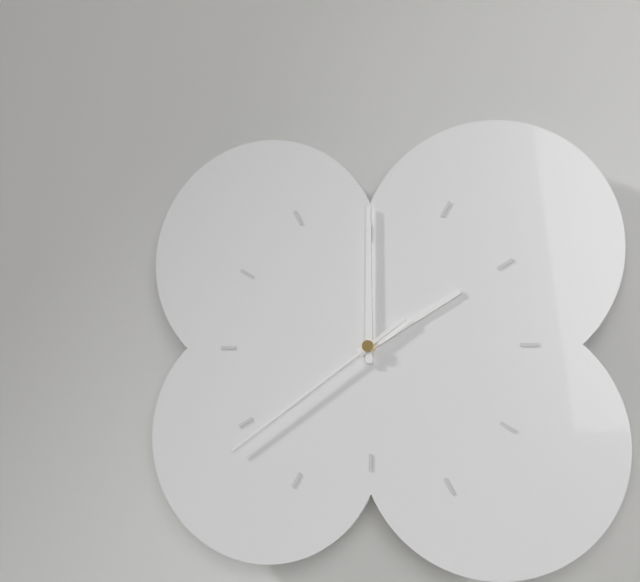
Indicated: 2 h 00 min 39 s
